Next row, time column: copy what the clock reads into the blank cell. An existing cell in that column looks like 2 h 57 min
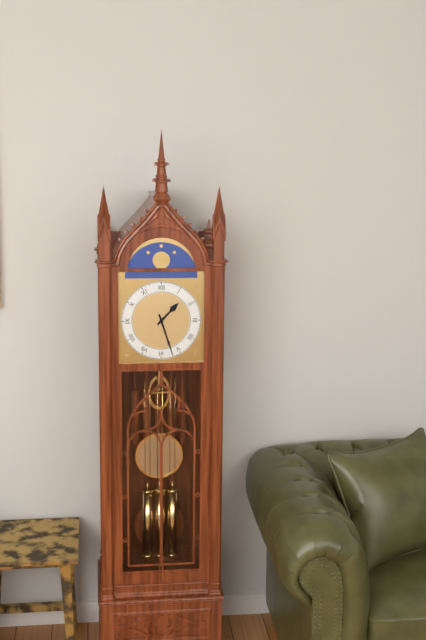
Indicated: 1 h 27 min
